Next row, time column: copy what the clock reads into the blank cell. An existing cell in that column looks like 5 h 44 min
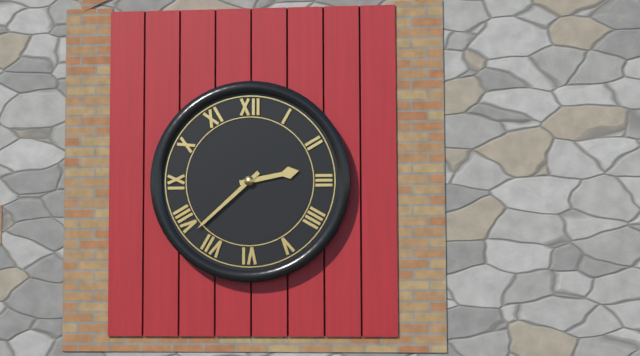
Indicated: 2 h 38 min
